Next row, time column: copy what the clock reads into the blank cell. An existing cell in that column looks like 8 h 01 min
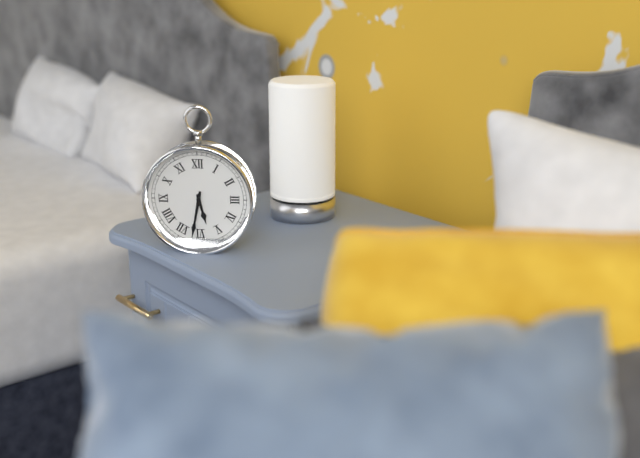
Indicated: 5 h 32 min
